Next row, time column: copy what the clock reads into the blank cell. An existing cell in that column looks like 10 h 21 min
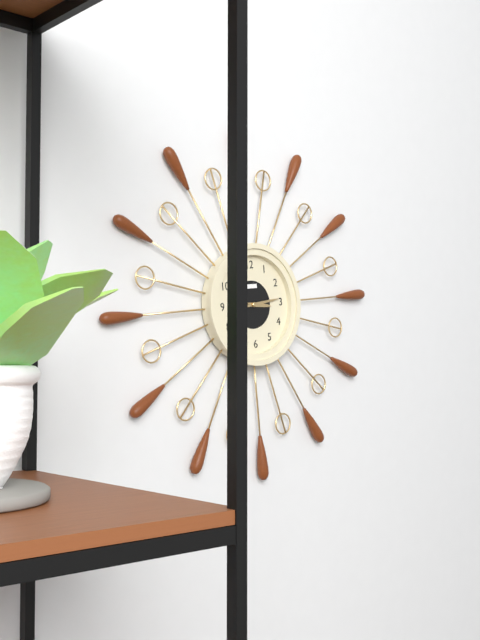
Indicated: 3 h 14 min
